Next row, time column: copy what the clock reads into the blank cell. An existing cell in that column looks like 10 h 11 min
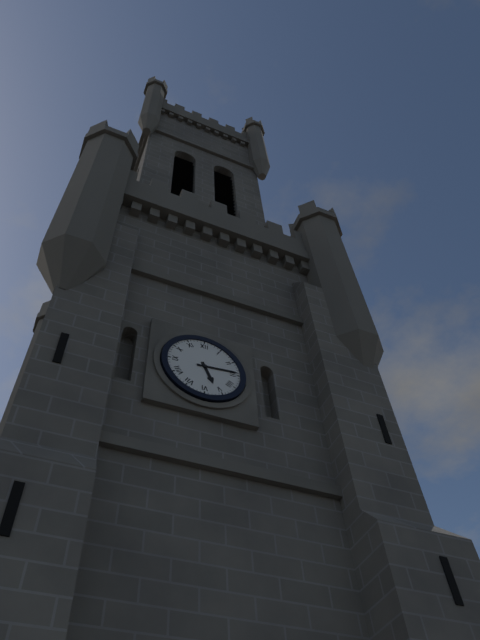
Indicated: 5 h 14 min
